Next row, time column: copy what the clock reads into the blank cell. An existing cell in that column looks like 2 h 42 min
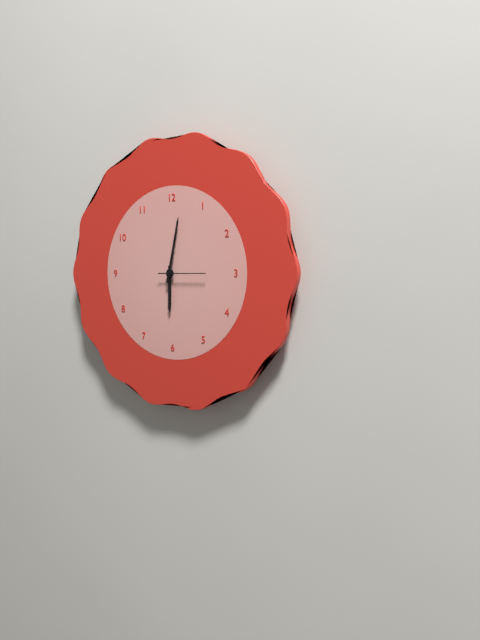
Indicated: 6 h 02 min
